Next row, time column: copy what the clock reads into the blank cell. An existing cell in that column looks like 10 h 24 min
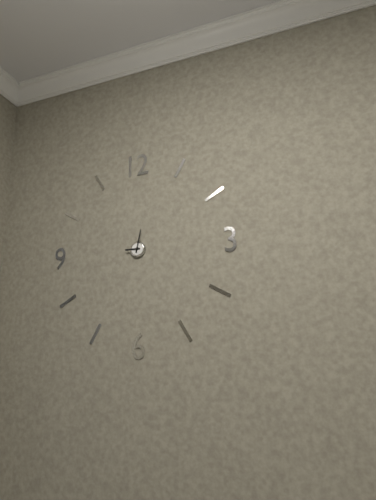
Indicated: 9 h 02 min
